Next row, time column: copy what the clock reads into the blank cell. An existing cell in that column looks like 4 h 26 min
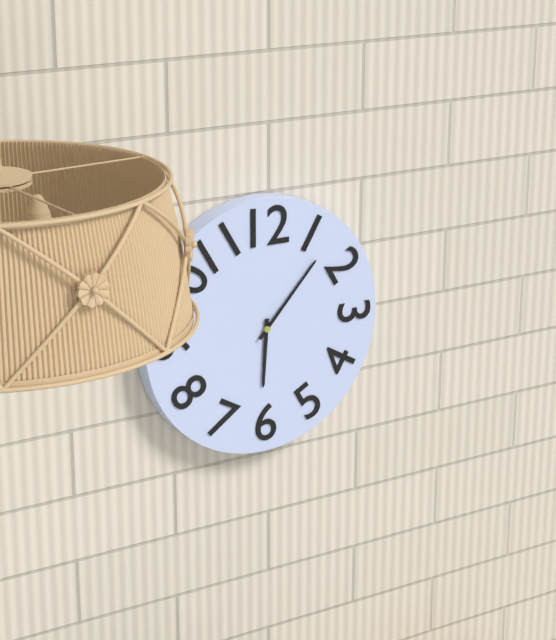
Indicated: 6 h 07 min
